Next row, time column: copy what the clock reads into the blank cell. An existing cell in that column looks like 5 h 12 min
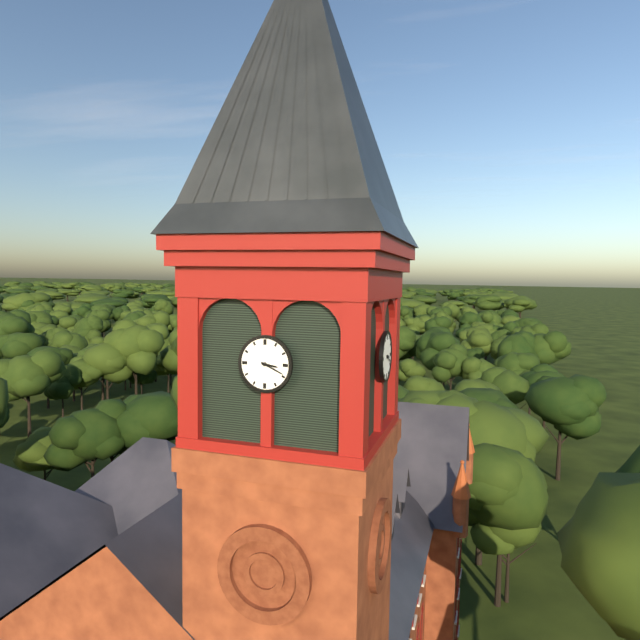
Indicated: 3 h 19 min
